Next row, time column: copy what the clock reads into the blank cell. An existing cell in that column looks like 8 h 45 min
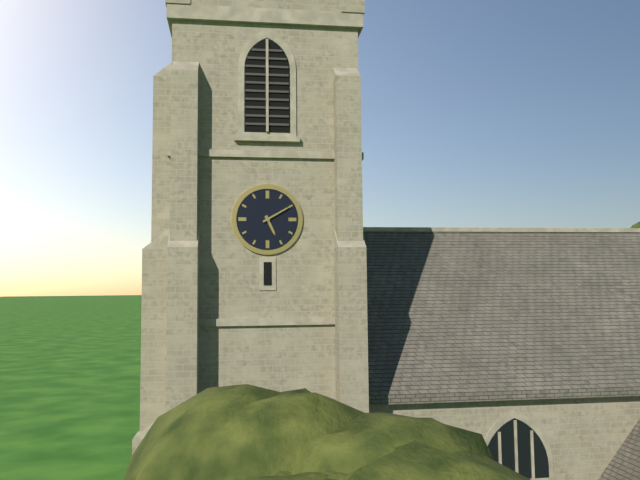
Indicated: 5 h 10 min
